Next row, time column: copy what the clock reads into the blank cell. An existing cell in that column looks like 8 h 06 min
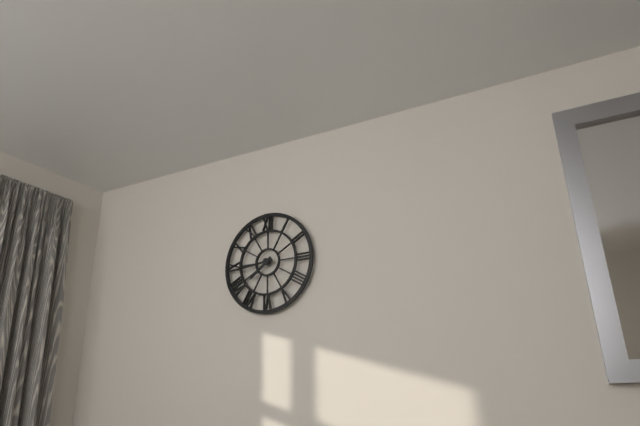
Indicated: 7 h 44 min
